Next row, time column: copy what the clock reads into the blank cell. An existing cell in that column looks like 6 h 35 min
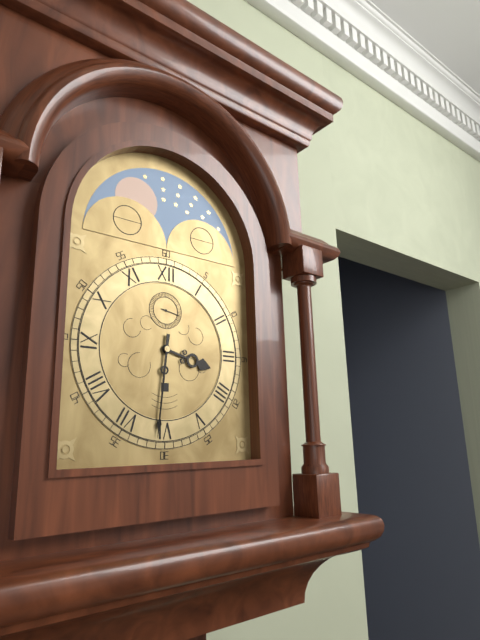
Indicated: 3 h 31 min
